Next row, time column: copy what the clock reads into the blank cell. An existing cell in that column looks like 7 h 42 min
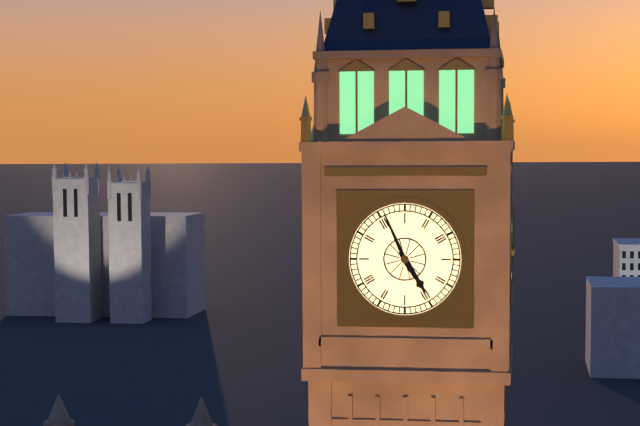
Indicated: 4 h 56 min
